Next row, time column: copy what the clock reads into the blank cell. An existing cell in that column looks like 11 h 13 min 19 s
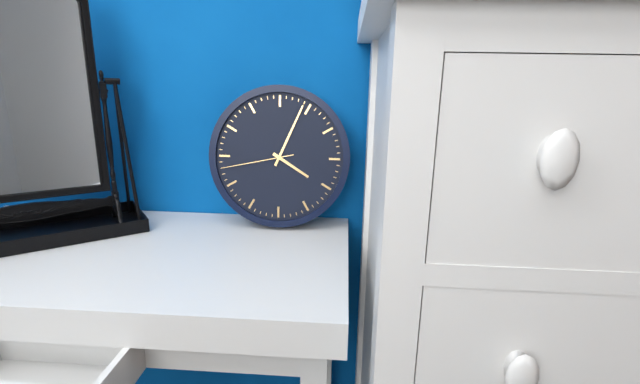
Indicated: 4 h 04 min 43 s
